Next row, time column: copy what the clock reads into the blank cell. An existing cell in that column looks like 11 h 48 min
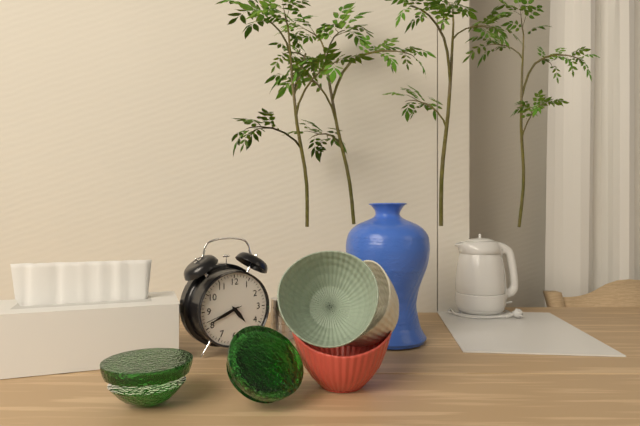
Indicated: 4 h 41 min
